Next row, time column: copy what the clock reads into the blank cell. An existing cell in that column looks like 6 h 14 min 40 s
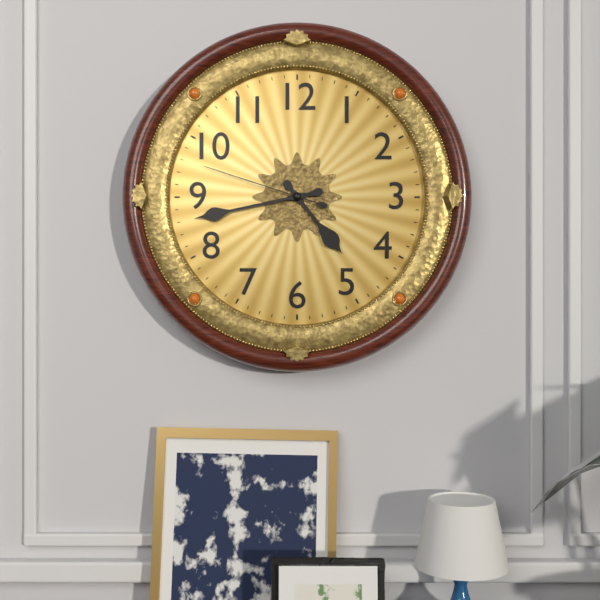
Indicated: 4 h 43 min 48 s
